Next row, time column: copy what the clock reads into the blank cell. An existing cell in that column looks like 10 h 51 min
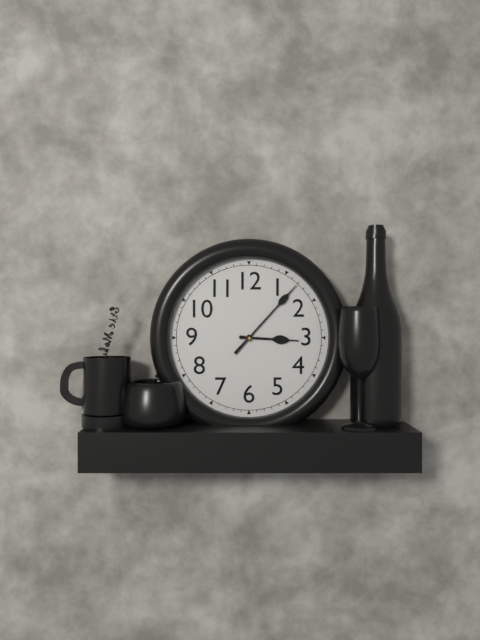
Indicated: 3 h 07 min
